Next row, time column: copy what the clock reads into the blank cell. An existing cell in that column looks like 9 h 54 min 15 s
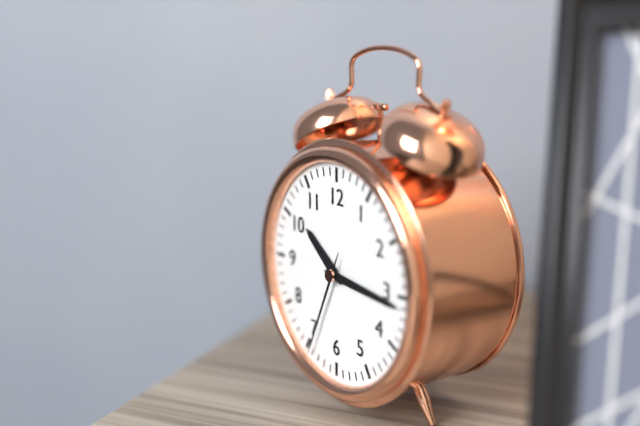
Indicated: 10 h 16 min 34 s
